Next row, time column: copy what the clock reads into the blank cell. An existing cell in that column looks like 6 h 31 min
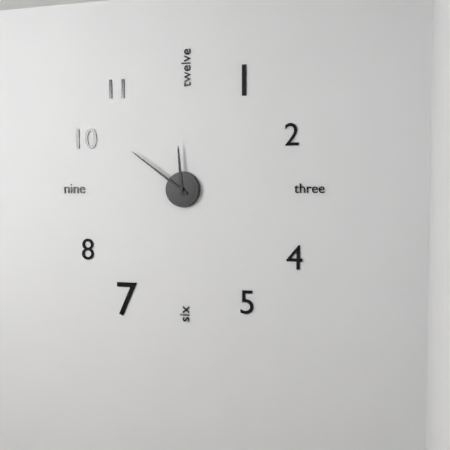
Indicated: 11 h 51 min
